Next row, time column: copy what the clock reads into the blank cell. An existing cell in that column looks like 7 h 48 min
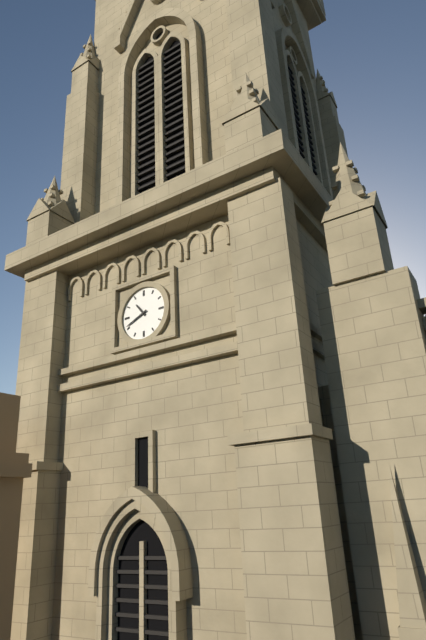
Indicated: 10 h 41 min
